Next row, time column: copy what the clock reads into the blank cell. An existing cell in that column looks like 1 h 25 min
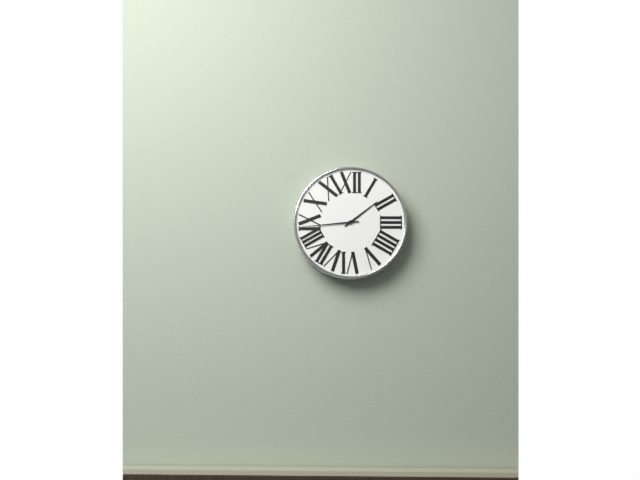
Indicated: 1 h 44 min
